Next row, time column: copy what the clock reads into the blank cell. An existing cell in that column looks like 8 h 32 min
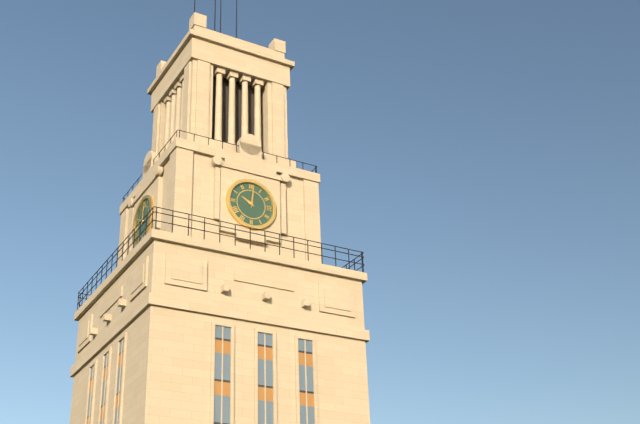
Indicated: 10 h 01 min
